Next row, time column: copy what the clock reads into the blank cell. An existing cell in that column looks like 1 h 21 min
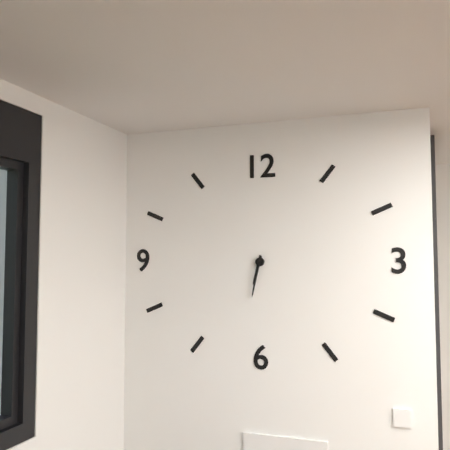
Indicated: 6 h 32 min
